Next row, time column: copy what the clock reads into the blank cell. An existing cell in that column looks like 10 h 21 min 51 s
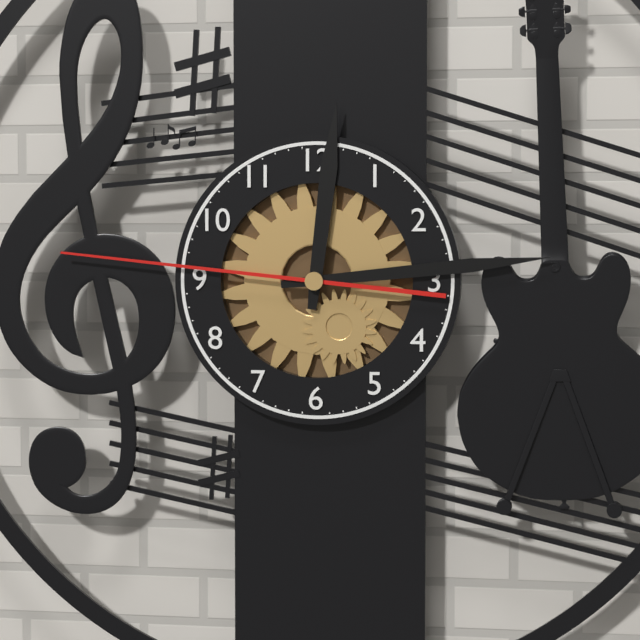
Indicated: 12 h 14 min 46 s
